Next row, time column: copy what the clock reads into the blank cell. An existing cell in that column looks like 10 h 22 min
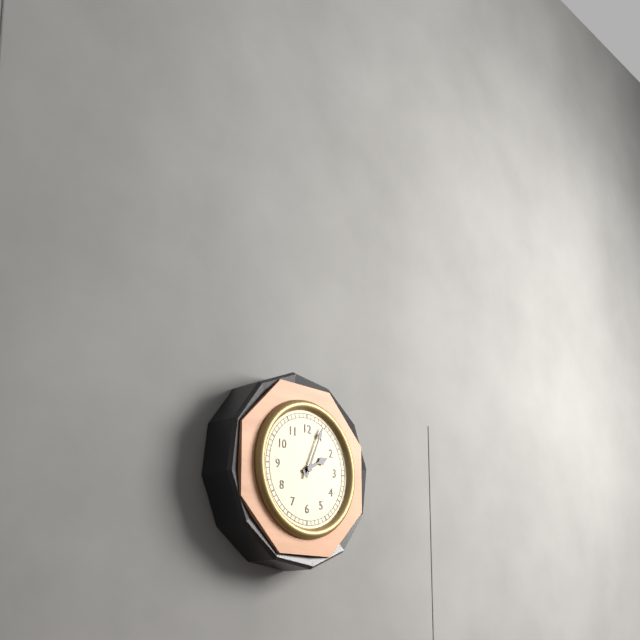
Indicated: 2 h 04 min
